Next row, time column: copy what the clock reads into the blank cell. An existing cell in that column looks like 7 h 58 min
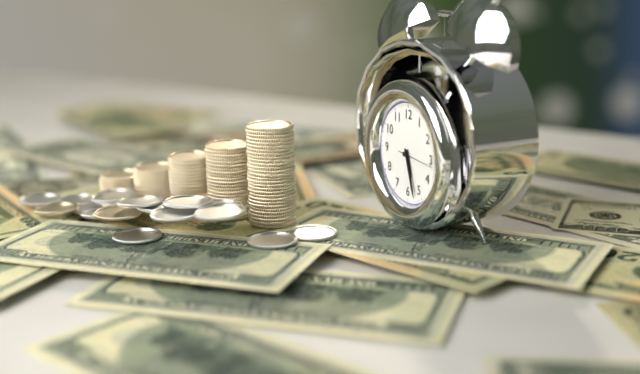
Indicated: 5 h 27 min
